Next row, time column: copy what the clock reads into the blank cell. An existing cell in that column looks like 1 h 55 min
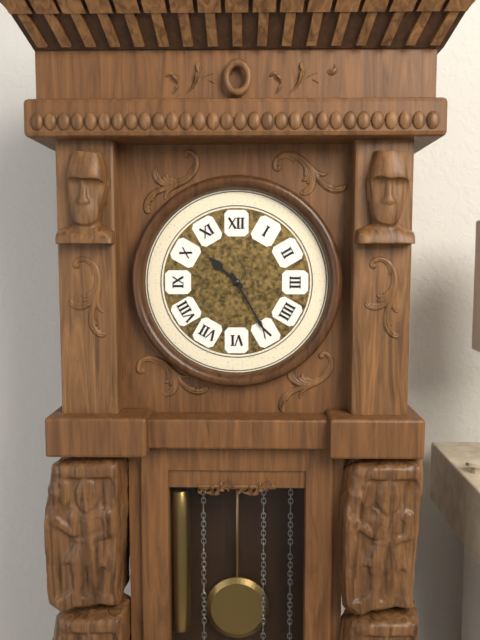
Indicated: 10 h 25 min
